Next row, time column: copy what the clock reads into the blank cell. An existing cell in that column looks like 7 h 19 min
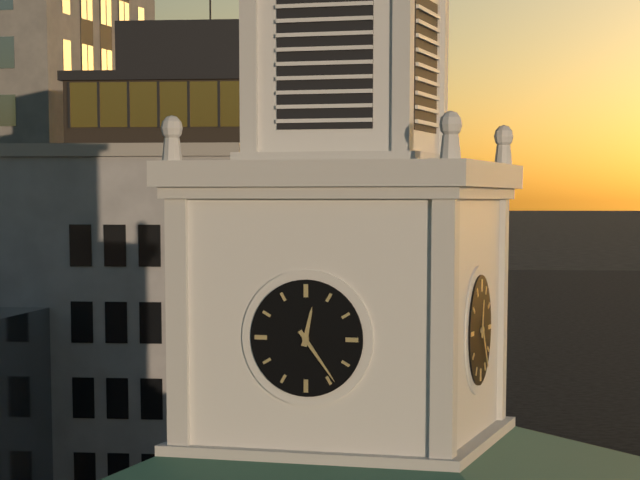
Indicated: 12 h 24 min
